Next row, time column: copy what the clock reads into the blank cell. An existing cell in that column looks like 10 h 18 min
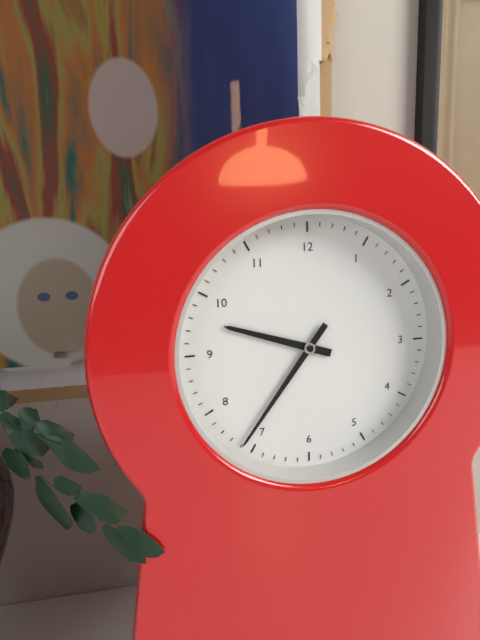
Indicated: 9 h 36 min
